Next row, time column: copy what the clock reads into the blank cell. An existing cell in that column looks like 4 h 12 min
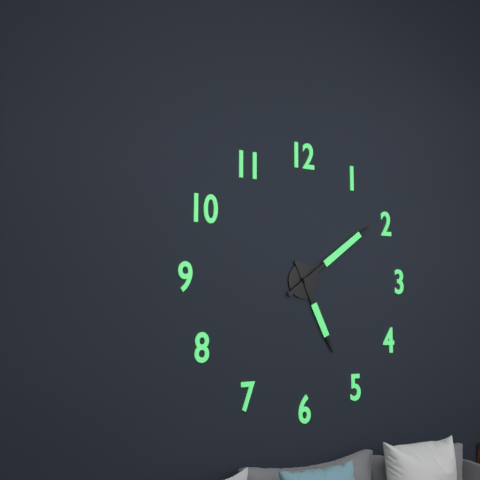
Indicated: 5 h 09 min
